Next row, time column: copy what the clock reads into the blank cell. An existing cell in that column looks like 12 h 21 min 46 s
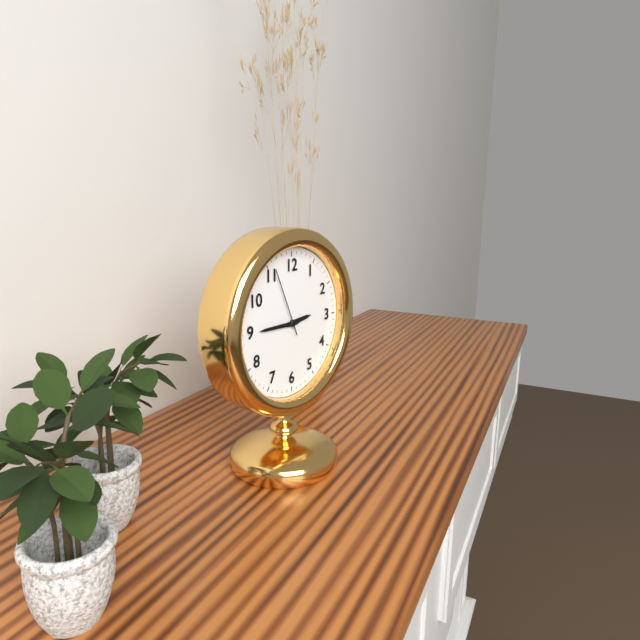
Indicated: 2 h 45 min 56 s
